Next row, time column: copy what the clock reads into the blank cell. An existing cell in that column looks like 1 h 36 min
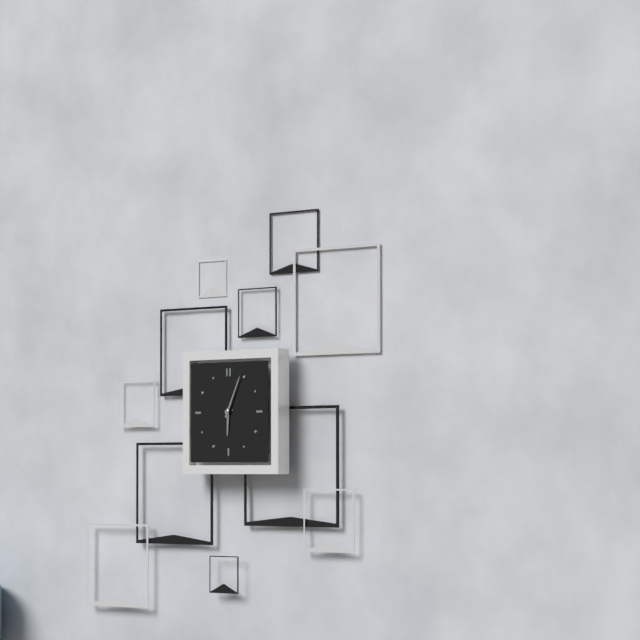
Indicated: 6 h 04 min
